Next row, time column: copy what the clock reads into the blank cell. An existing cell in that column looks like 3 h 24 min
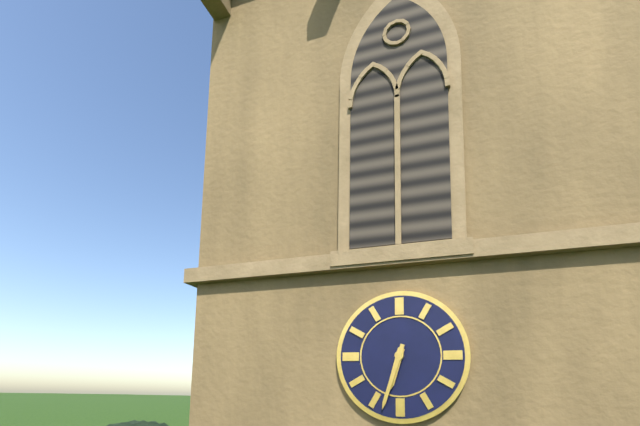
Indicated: 6 h 33 min
